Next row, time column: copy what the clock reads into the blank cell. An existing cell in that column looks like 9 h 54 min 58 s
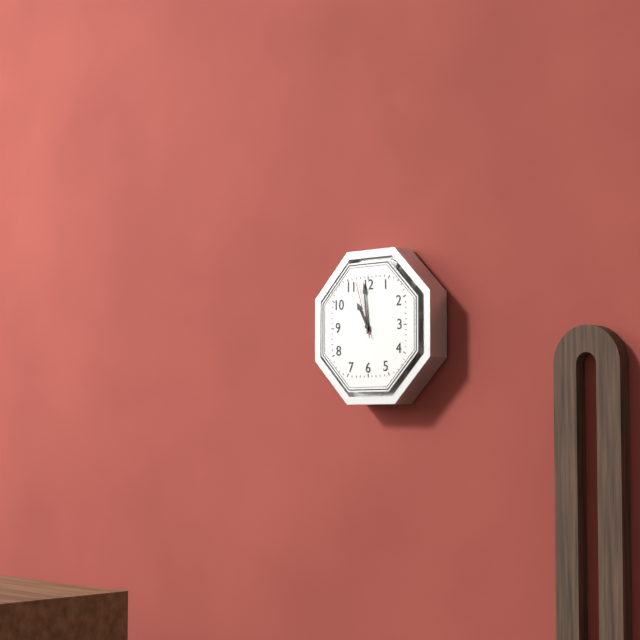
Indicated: 10 h 59 min 57 s
